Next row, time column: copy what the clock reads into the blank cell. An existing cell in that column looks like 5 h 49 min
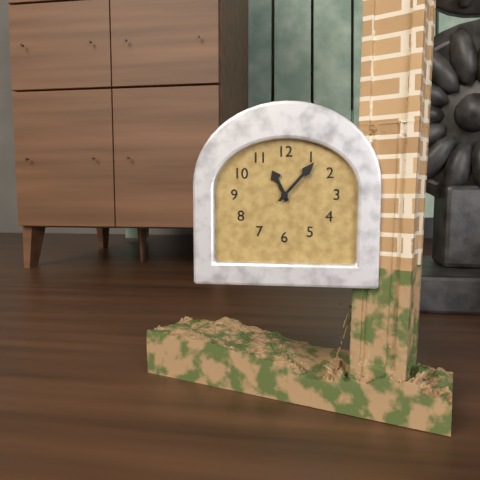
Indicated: 11 h 07 min
